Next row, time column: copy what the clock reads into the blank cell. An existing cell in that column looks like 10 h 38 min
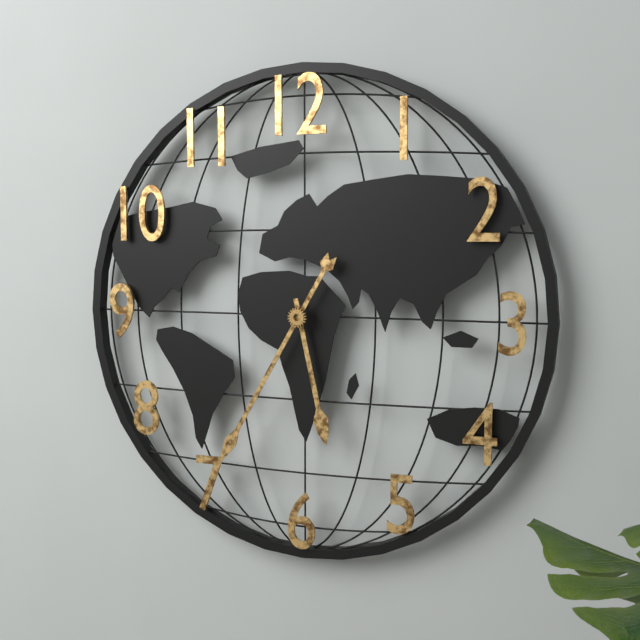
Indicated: 5 h 35 min
